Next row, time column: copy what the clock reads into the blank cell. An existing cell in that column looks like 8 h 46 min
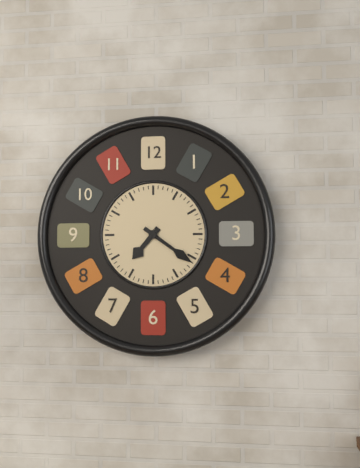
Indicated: 7 h 21 min
